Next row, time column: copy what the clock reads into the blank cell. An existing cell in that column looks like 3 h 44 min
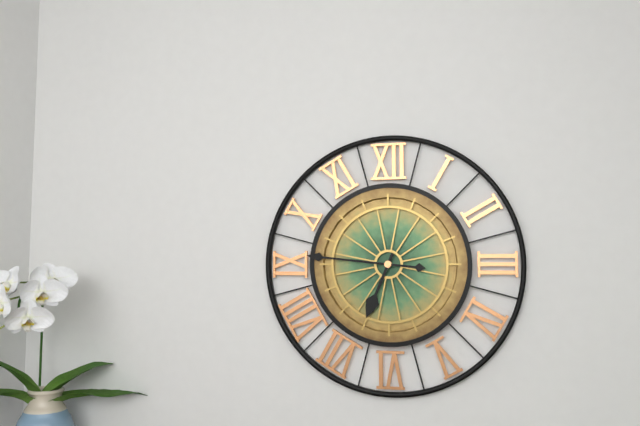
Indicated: 6 h 46 min
